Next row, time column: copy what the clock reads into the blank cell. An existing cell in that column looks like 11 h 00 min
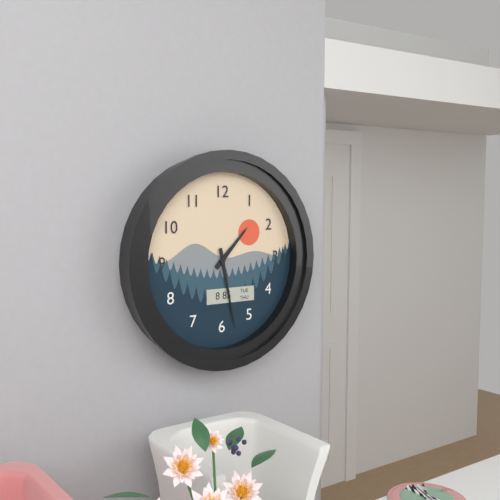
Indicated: 1 h 28 min
